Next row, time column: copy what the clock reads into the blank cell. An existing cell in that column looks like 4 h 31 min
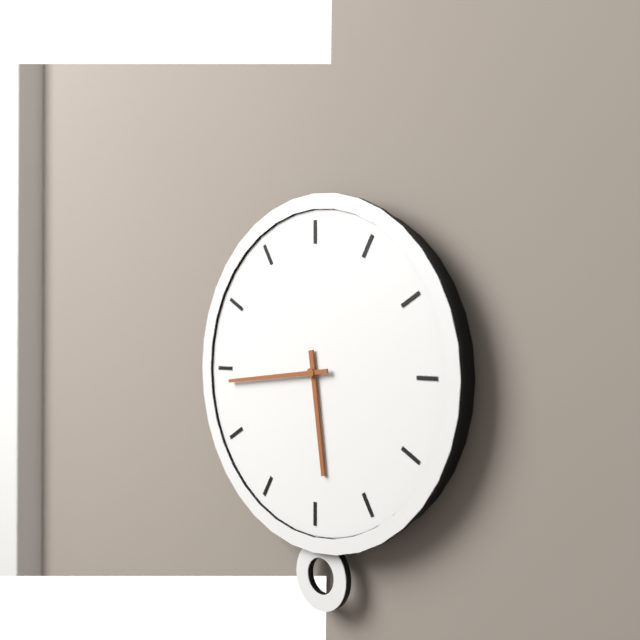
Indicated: 5 h 44 min
